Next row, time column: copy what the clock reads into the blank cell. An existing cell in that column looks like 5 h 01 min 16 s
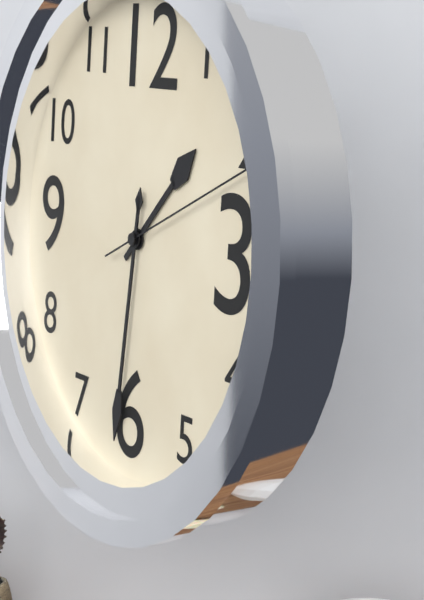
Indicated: 1 h 31 min 11 s
